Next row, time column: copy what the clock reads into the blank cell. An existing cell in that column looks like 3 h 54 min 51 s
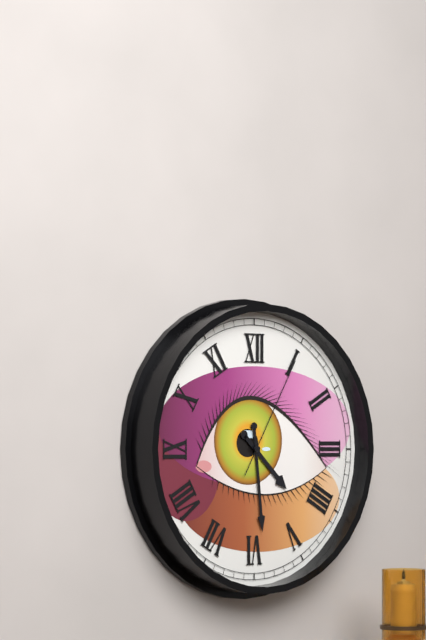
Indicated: 4 h 29 min 05 s
